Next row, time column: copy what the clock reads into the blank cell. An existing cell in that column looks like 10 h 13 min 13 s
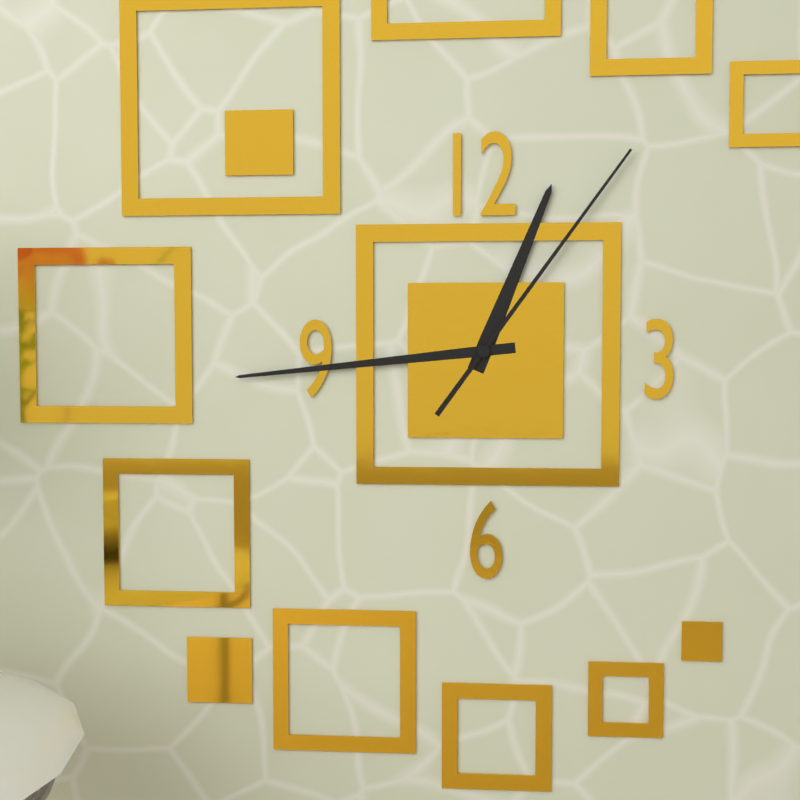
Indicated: 12 h 44 min 06 s
